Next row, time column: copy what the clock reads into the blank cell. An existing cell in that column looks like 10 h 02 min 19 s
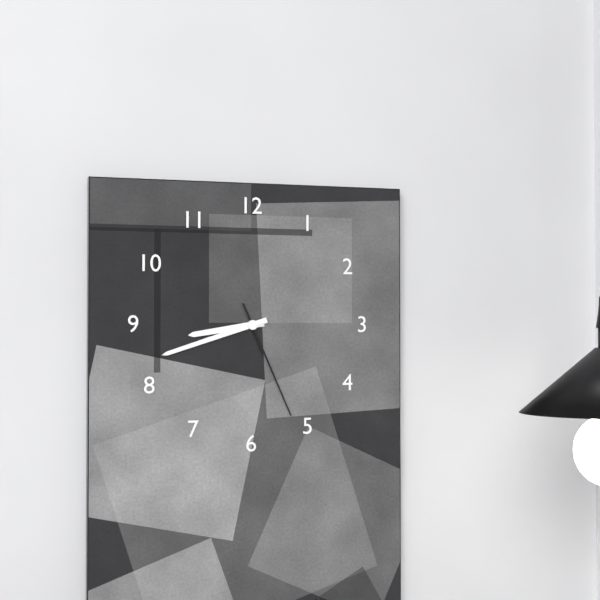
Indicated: 8 h 42 min 26 s
